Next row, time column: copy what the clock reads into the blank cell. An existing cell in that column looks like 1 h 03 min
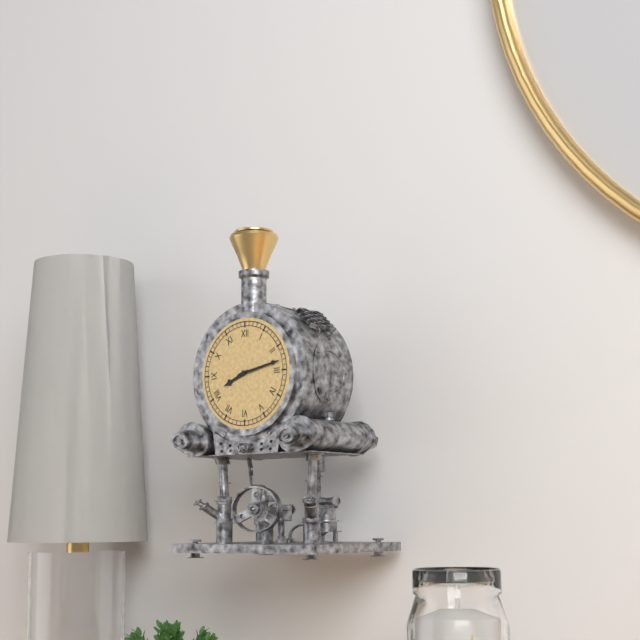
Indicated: 8 h 13 min
